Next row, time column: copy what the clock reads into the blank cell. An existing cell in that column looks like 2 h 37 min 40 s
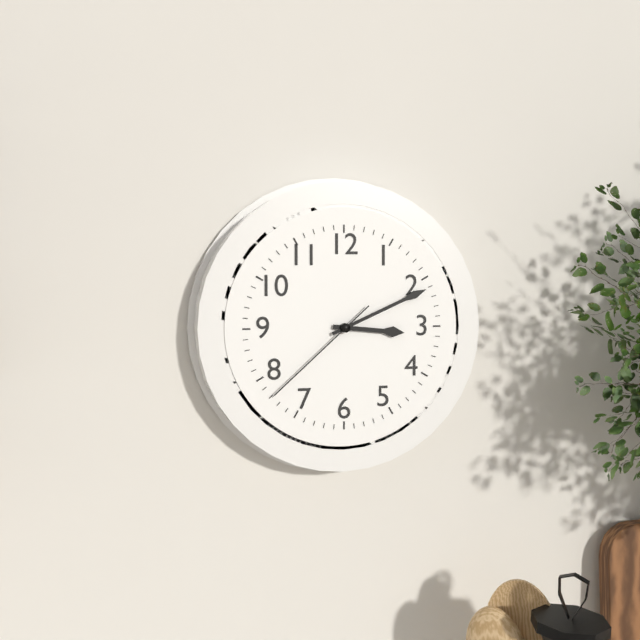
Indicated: 3 h 11 min 38 s
